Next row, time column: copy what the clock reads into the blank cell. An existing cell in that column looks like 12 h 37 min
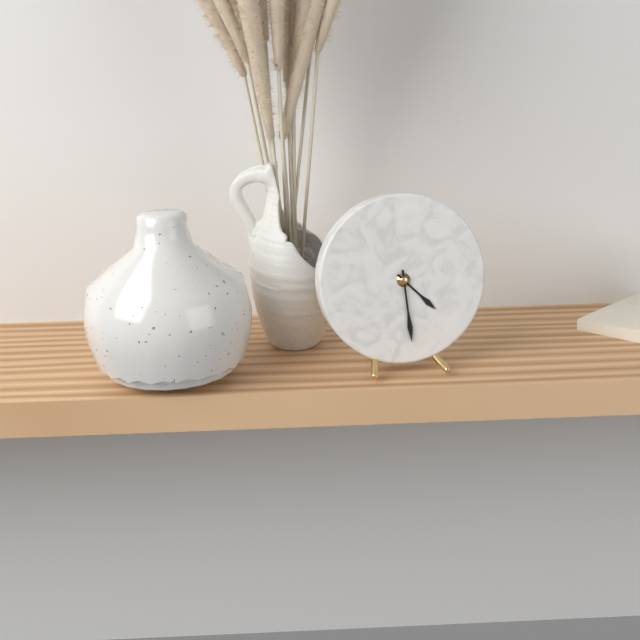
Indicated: 4 h 29 min
